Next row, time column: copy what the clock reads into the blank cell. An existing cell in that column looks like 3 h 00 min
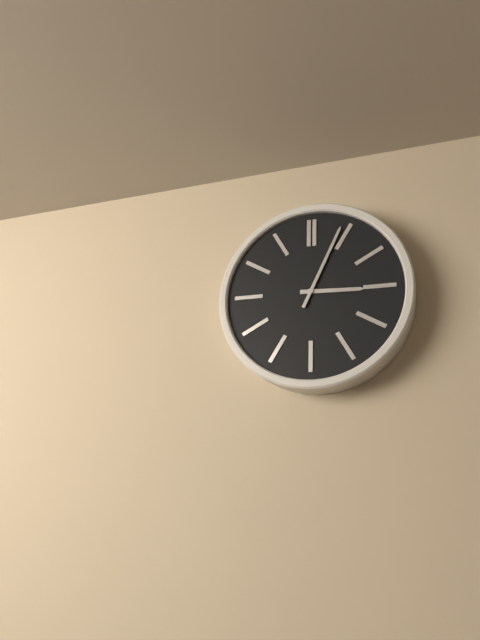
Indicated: 3 h 04 min
